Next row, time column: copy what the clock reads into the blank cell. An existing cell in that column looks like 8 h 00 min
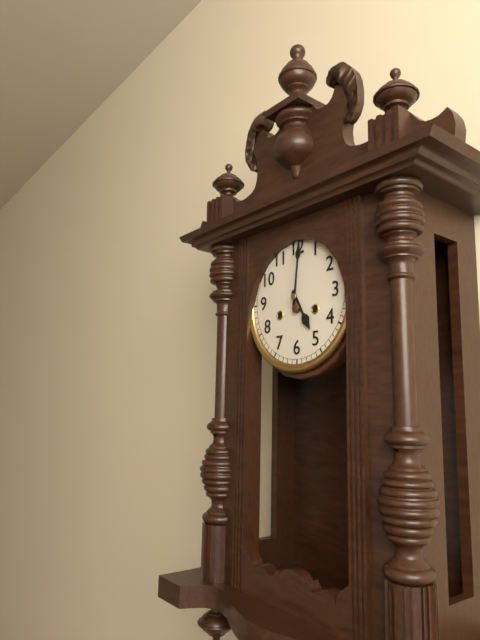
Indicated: 5 h 01 min
